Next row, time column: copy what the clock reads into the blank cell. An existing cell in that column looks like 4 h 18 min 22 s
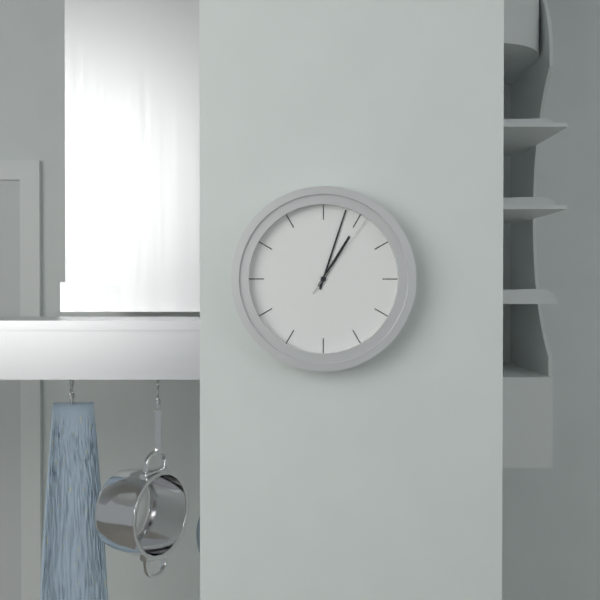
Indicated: 1 h 03 min 06 s
